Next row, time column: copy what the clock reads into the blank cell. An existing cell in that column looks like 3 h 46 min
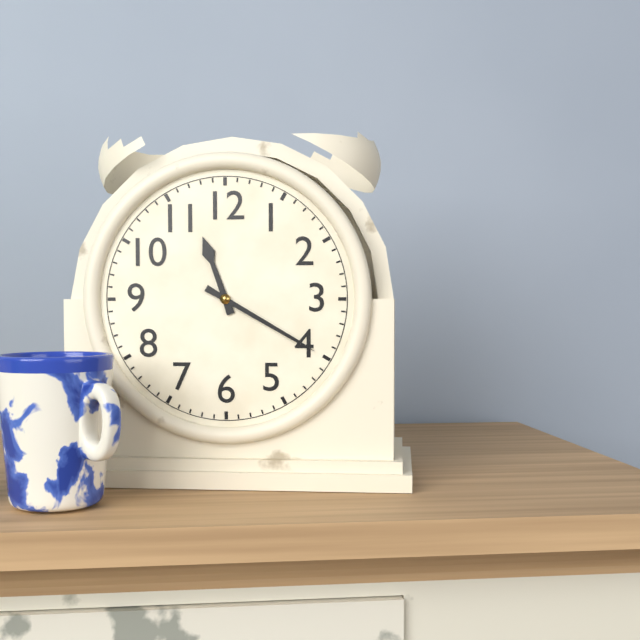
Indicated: 11 h 20 min
